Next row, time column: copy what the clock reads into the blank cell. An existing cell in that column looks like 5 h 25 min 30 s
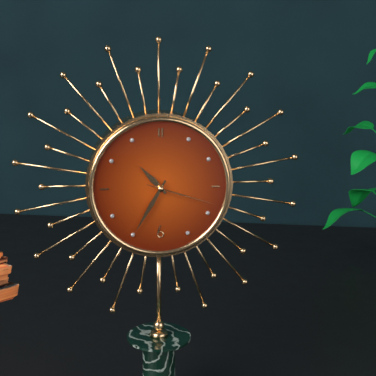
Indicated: 10 h 35 min 18 s
